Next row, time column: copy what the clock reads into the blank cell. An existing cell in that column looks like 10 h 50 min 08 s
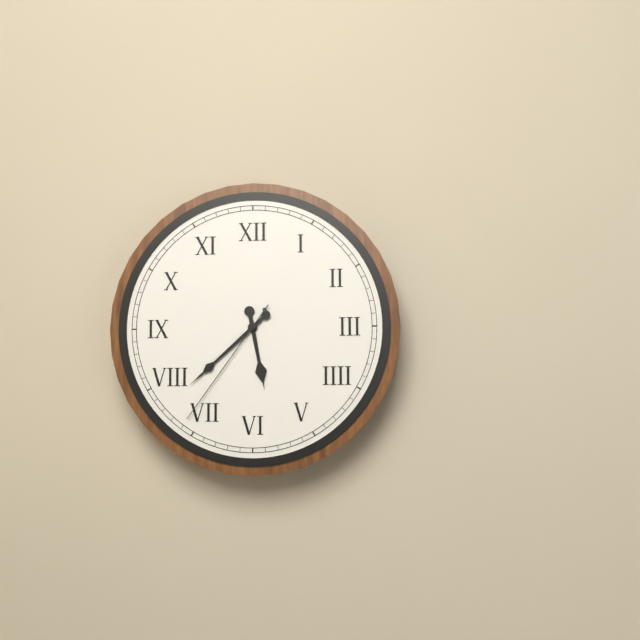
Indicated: 5 h 38 min 36 s
